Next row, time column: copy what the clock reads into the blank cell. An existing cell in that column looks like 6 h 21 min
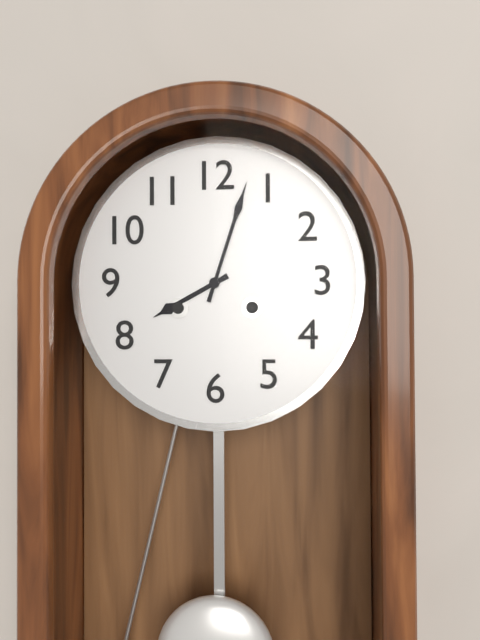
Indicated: 8 h 03 min
